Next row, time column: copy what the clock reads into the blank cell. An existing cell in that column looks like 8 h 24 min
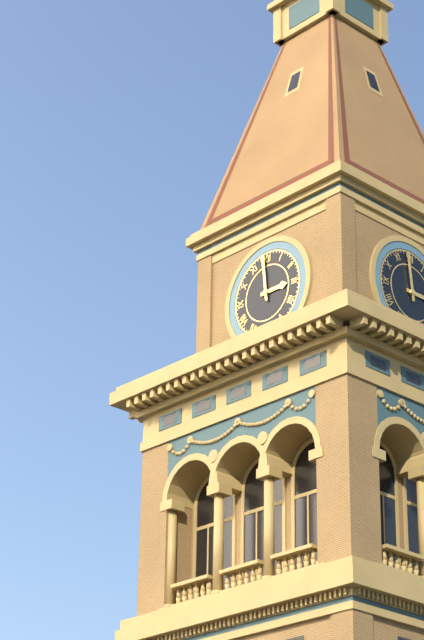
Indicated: 2 h 59 min
